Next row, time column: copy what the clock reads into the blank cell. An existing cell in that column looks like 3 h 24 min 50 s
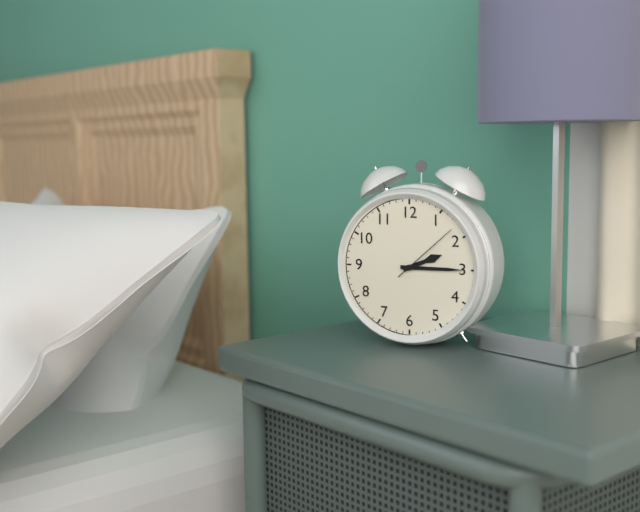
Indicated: 2 h 15 min 08 s
